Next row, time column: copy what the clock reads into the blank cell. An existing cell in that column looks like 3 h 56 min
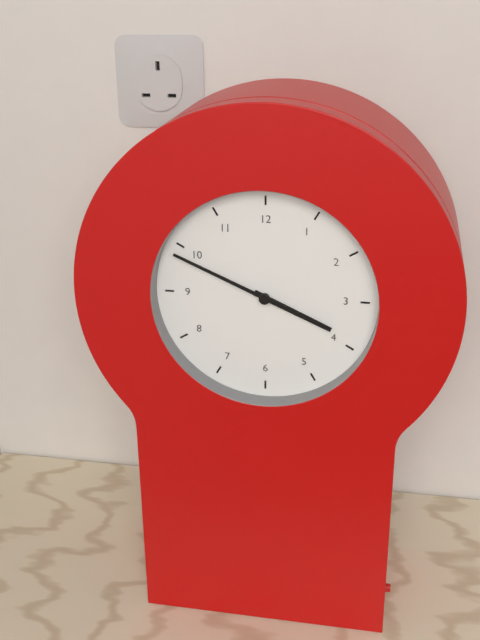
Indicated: 3 h 49 min
